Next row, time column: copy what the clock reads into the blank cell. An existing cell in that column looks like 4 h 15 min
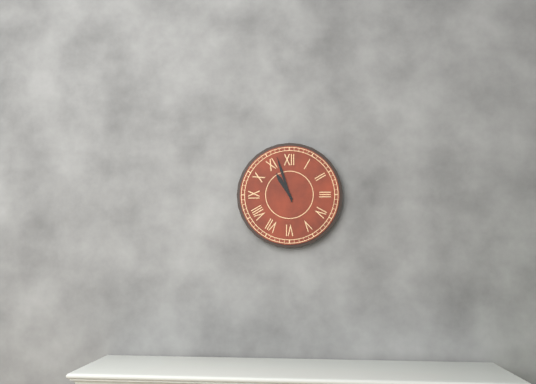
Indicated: 10 h 57 min
